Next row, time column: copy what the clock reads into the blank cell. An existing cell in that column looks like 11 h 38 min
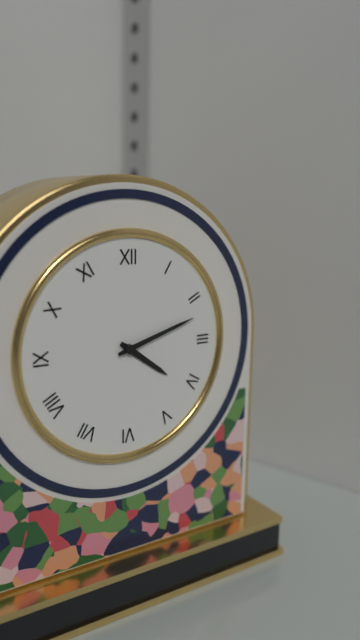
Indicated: 4 h 12 min
